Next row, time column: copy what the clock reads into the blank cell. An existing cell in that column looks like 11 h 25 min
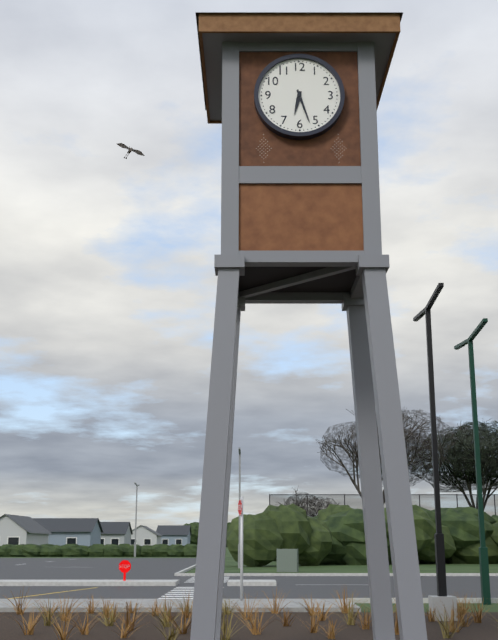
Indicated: 6 h 27 min
